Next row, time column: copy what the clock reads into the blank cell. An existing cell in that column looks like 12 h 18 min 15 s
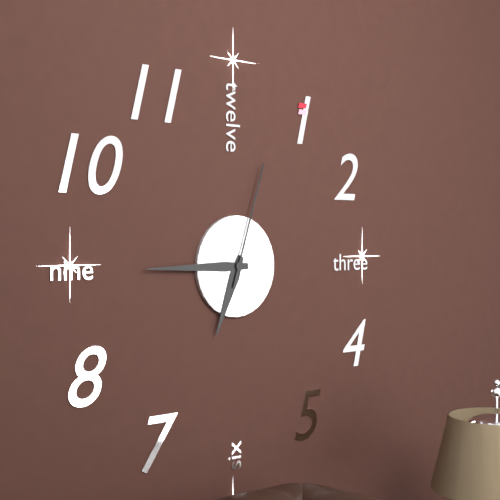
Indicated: 6 h 45 min 03 s
